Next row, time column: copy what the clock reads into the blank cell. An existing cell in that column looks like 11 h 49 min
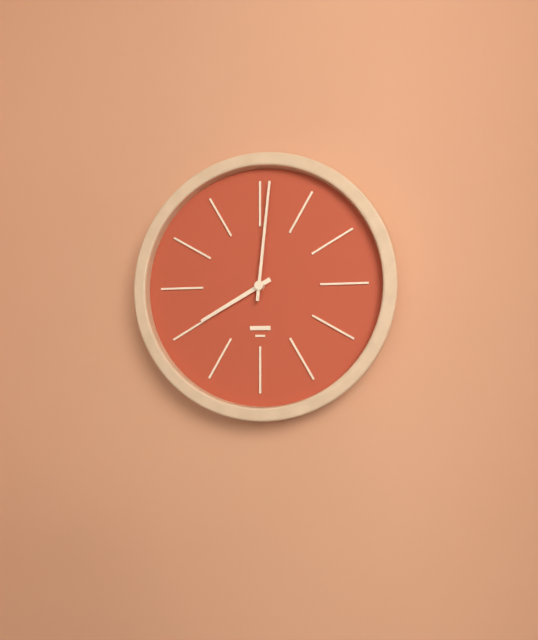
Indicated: 8 h 01 min
